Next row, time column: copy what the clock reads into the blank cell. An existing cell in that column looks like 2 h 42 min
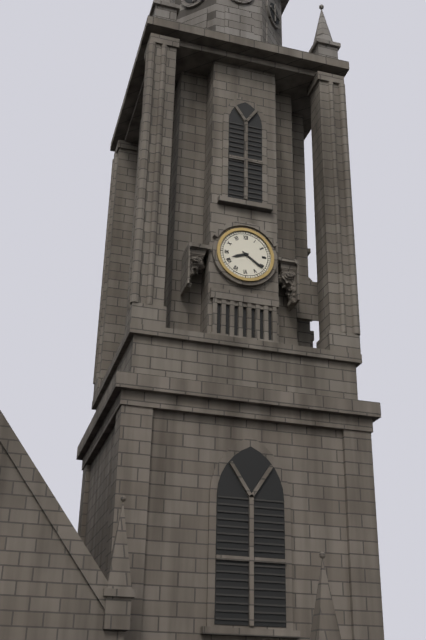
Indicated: 8 h 21 min
